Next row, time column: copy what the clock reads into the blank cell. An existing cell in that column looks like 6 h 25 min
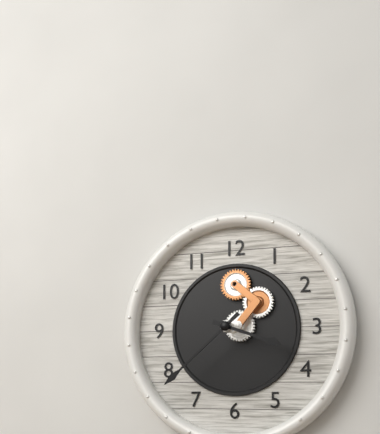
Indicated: 3 h 38 min
